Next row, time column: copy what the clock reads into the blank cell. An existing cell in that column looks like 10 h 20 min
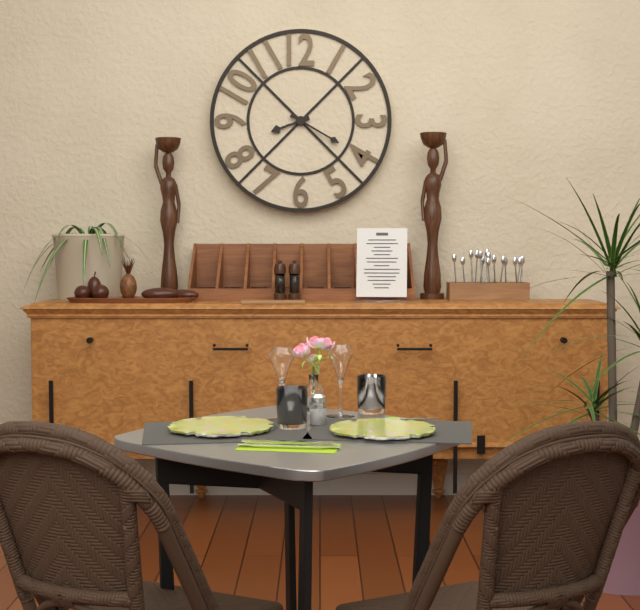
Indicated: 8 h 20 min
